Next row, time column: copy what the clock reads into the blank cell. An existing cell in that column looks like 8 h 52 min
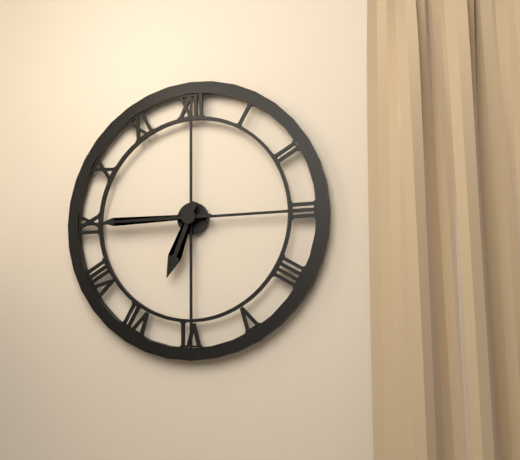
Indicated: 6 h 45 min
